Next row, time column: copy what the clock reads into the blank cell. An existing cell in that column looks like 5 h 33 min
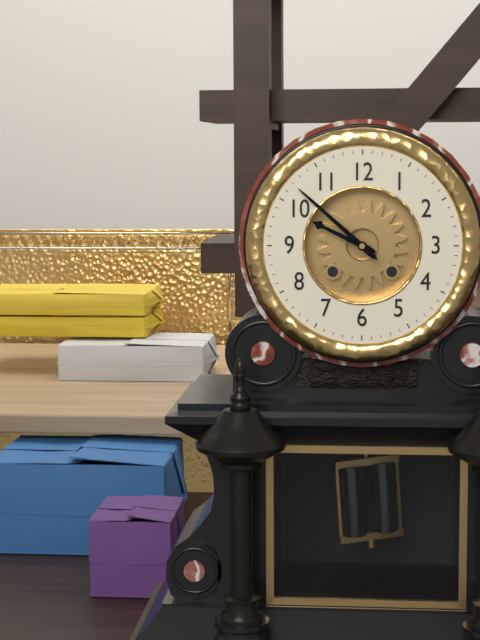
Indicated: 9 h 52 min
